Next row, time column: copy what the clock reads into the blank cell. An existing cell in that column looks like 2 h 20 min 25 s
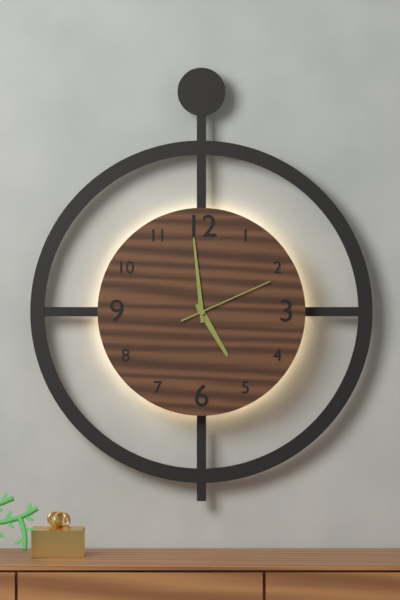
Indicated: 4 h 59 min 11 s
